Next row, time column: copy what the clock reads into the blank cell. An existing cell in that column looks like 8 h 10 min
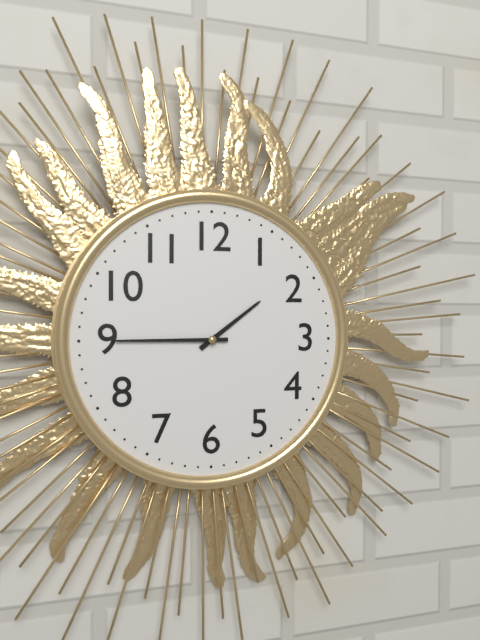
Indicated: 1 h 45 min
